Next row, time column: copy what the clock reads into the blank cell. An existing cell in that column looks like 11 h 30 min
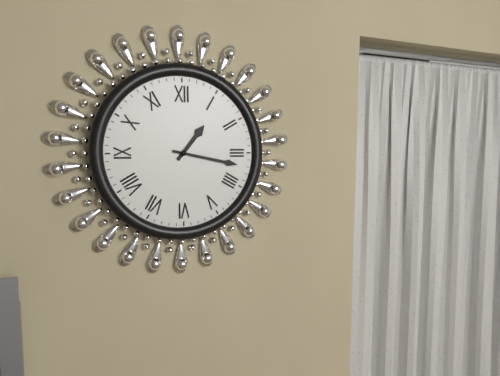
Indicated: 1 h 17 min
